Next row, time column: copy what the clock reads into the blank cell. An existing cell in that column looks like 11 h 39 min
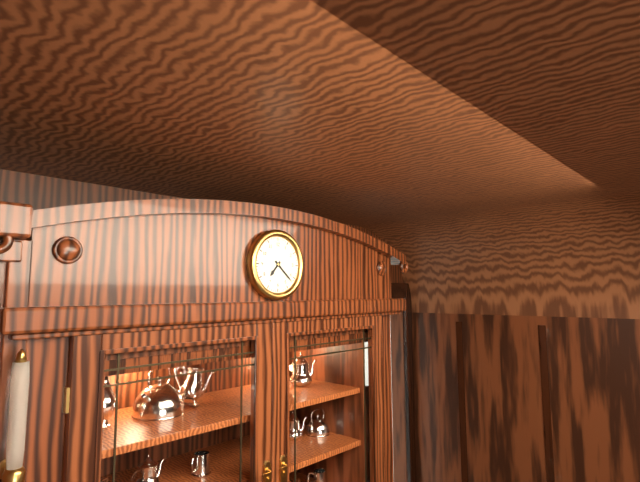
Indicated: 7 h 22 min
